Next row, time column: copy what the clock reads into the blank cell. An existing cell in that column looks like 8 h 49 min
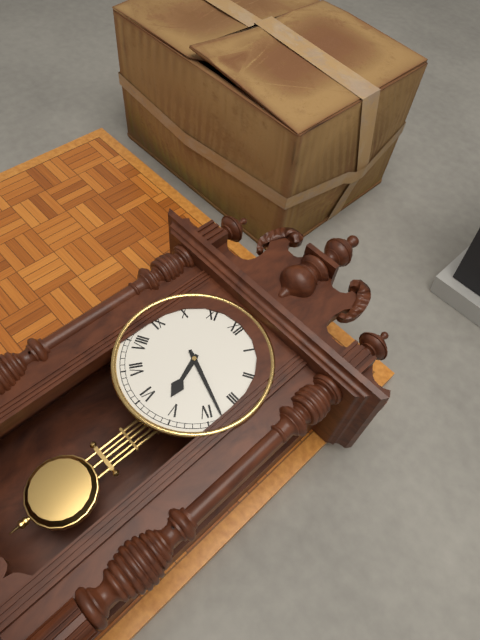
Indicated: 5 h 18 min
